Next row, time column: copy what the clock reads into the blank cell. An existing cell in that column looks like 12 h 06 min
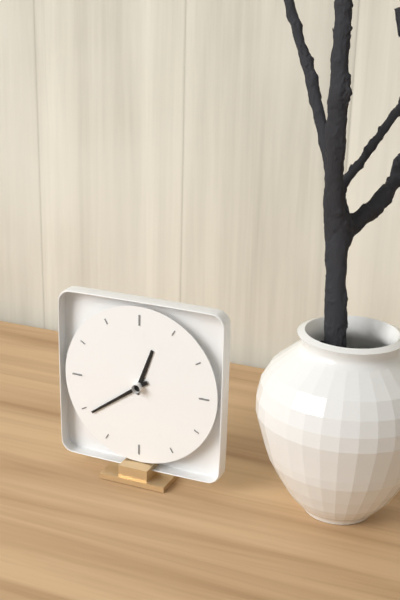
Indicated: 12 h 39 min
